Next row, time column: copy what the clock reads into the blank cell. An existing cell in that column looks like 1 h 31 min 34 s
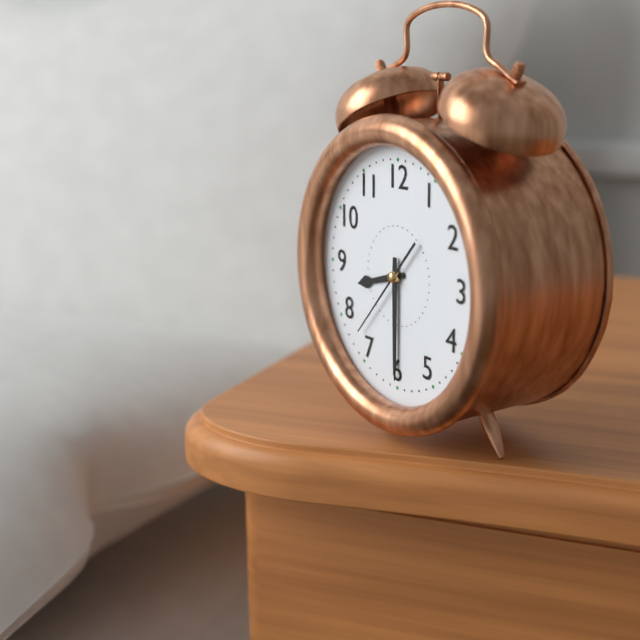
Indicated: 8 h 30 min 37 s
